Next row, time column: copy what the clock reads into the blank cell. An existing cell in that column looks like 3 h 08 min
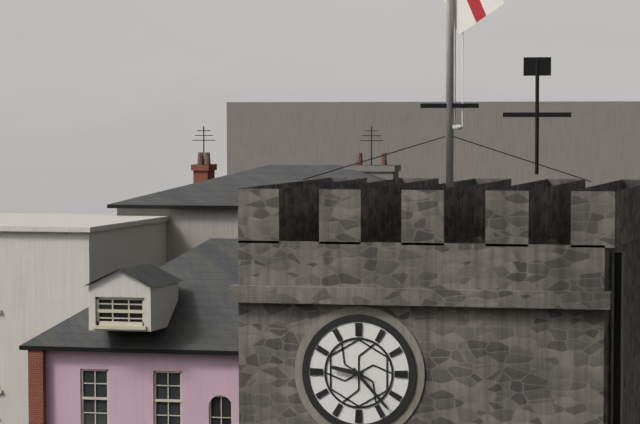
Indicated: 9 h 23 min
